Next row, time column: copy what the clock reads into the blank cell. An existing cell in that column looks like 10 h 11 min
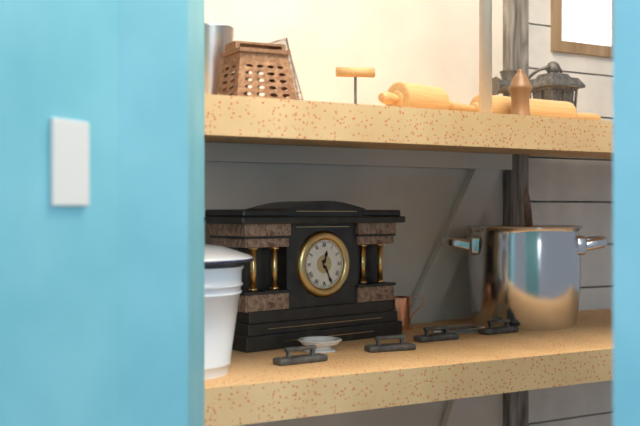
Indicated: 12 h 26 min
